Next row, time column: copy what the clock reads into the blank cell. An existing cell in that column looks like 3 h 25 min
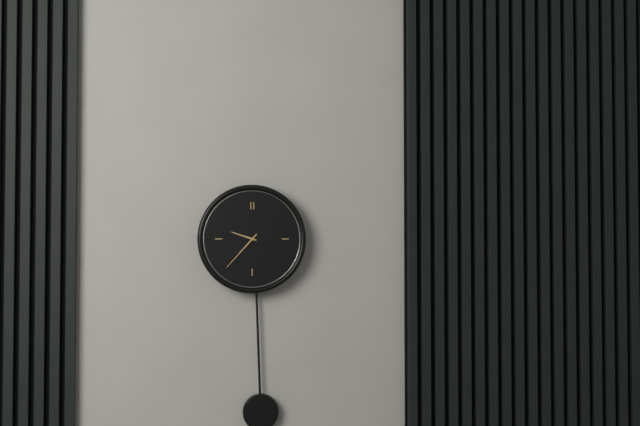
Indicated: 9 h 37 min
